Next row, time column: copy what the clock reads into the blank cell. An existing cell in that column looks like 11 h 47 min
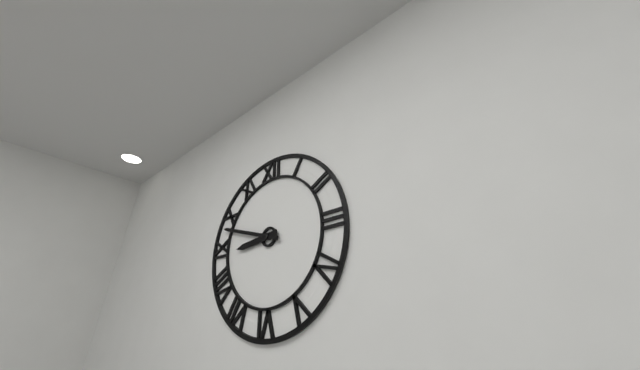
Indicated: 8 h 48 min
